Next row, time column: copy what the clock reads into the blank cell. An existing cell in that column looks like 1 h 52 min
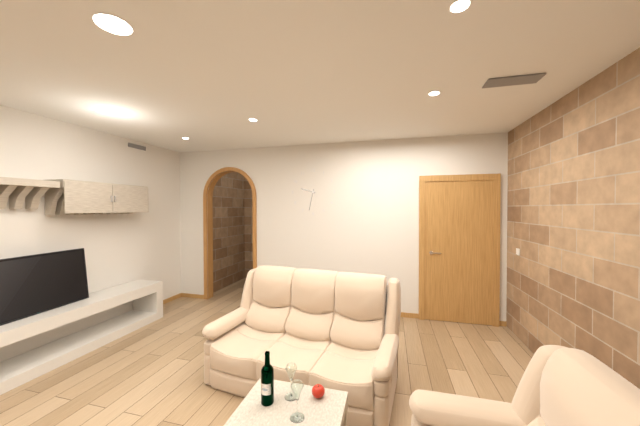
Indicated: 9 h 32 min
